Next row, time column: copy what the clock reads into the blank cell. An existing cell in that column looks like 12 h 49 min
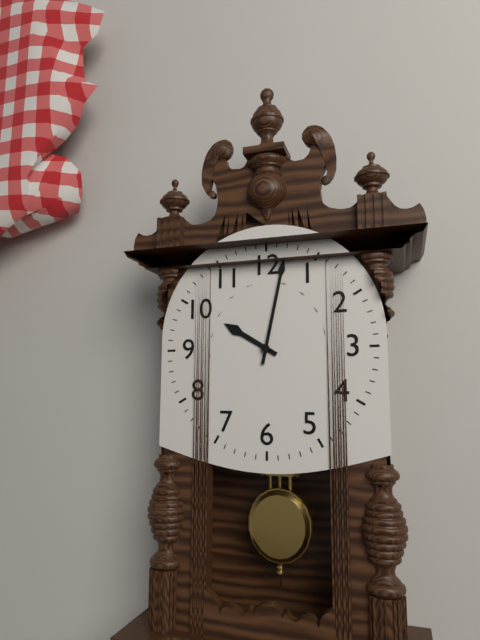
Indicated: 10 h 02 min
